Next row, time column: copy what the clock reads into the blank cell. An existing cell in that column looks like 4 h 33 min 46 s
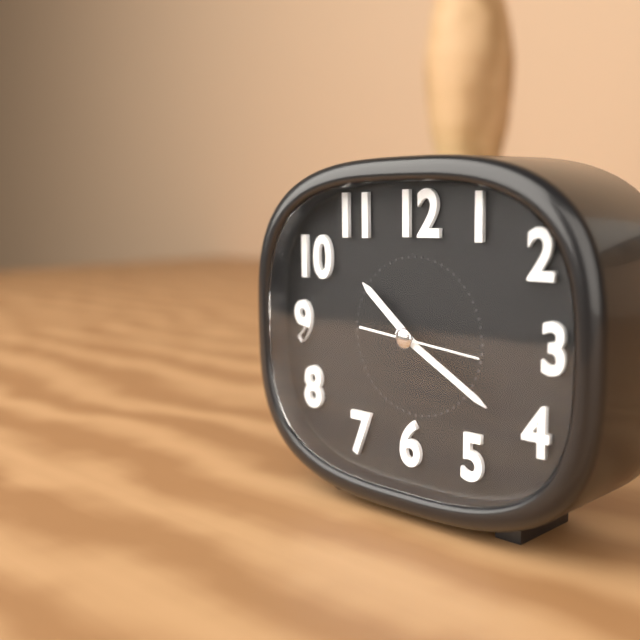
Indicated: 10 h 20 min 16 s
